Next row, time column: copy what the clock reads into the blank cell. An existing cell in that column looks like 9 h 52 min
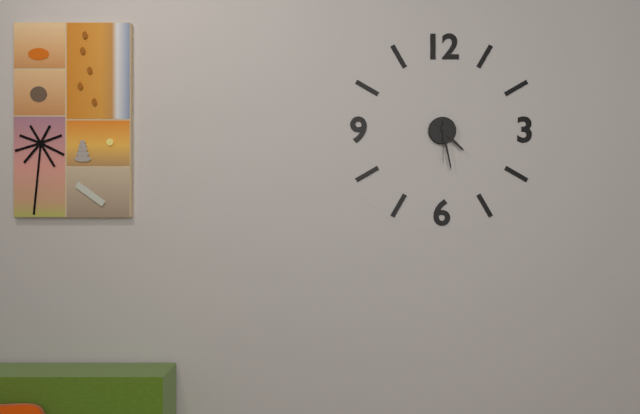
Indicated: 4 h 28 min
